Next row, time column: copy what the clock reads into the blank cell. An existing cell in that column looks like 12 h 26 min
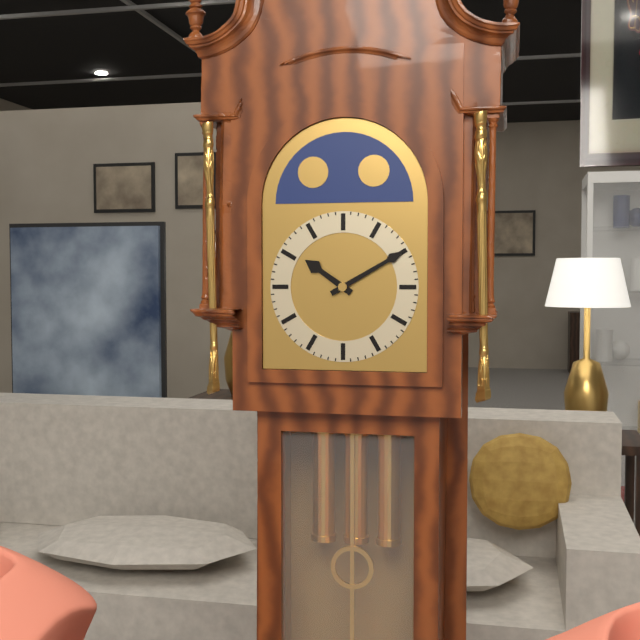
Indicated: 10 h 10 min
